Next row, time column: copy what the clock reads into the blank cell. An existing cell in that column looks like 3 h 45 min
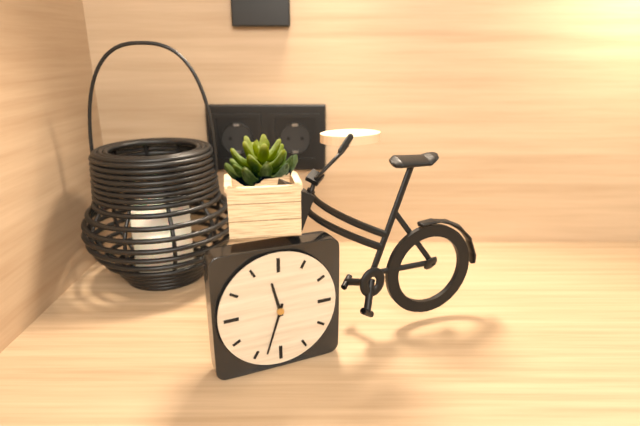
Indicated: 11 h 33 min
